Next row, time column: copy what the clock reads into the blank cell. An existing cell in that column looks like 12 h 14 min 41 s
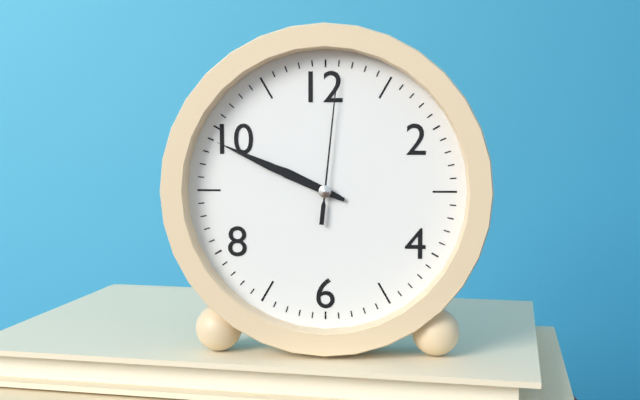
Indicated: 9 h 49 min 01 s
